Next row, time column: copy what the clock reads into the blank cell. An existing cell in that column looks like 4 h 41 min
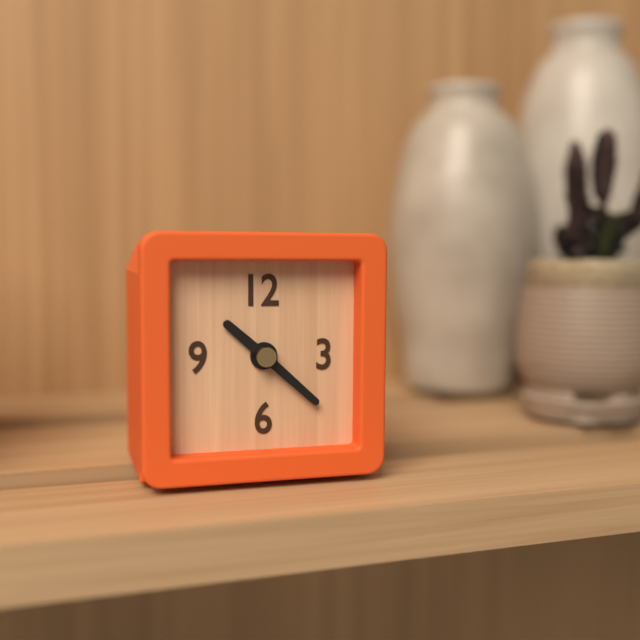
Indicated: 10 h 22 min
